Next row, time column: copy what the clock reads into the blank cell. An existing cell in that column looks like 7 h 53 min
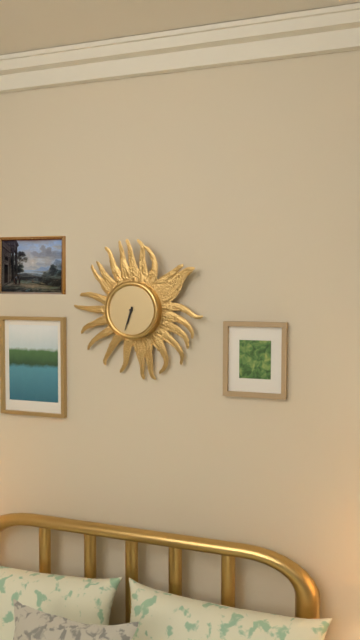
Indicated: 6 h 33 min
